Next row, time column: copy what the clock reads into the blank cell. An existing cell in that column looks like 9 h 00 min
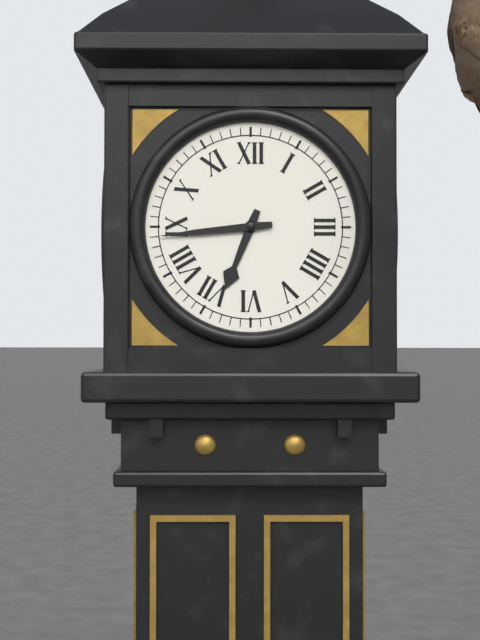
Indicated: 6 h 44 min
